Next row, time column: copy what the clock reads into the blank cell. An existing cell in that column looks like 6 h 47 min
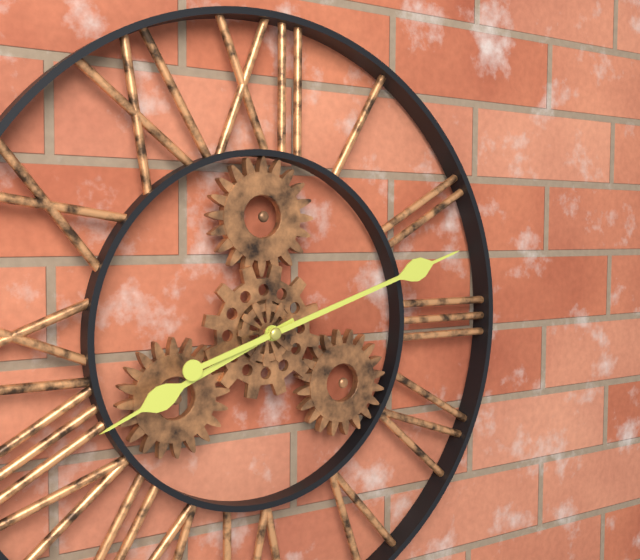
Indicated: 8 h 12 min
